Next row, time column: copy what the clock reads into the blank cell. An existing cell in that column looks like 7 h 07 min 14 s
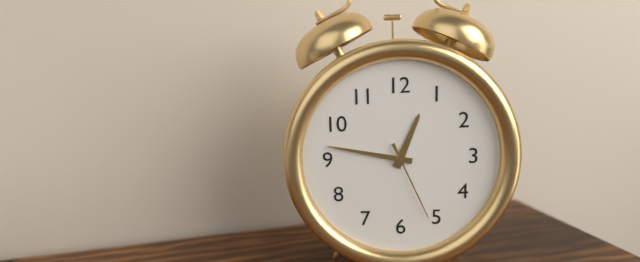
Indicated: 12 h 47 min 26 s
